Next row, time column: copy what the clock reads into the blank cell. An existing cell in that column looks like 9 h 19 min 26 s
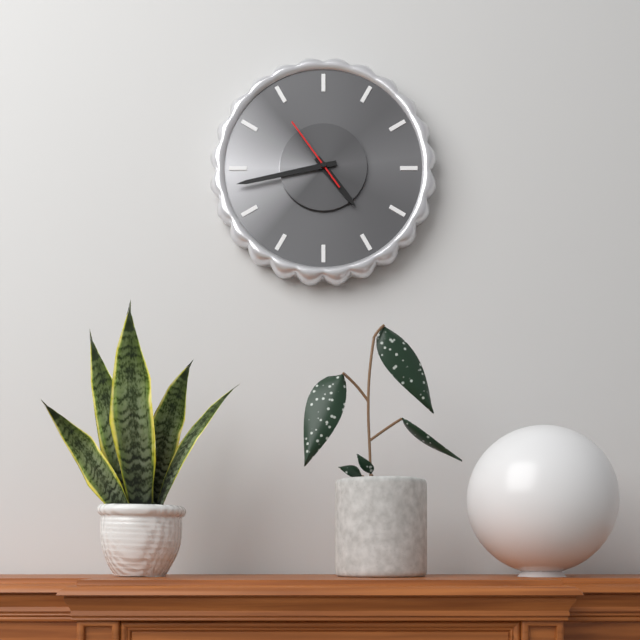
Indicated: 4 h 43 min 54 s
